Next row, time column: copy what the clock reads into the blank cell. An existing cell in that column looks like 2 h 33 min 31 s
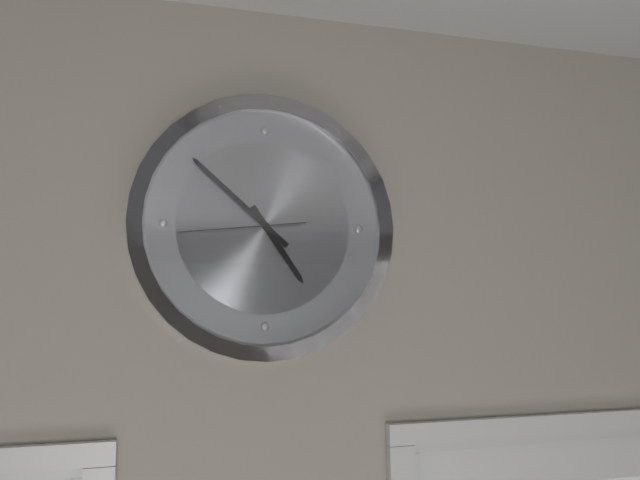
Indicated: 4 h 52 min 44 s
